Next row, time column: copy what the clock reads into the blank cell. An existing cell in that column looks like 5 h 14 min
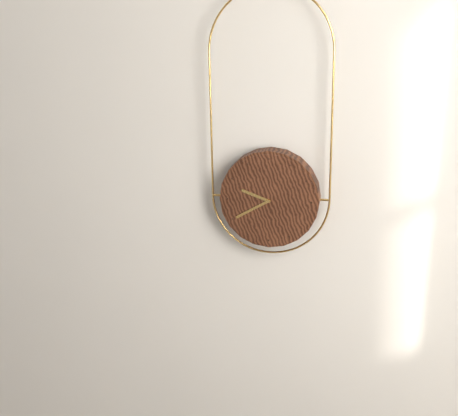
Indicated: 9 h 40 min
